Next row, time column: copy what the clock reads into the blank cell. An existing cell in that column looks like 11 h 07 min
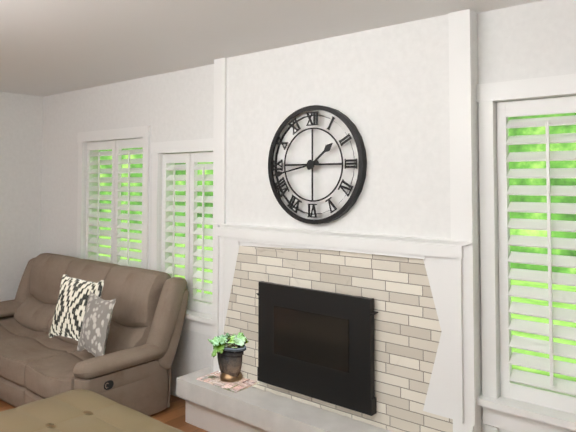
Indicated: 1 h 43 min
